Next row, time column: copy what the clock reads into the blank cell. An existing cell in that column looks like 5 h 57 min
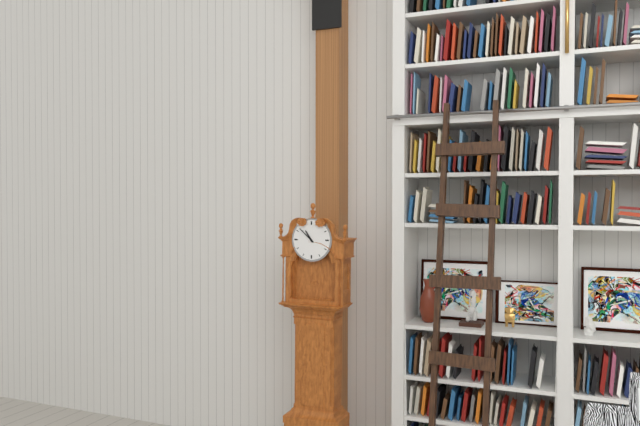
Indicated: 10 h 52 min
